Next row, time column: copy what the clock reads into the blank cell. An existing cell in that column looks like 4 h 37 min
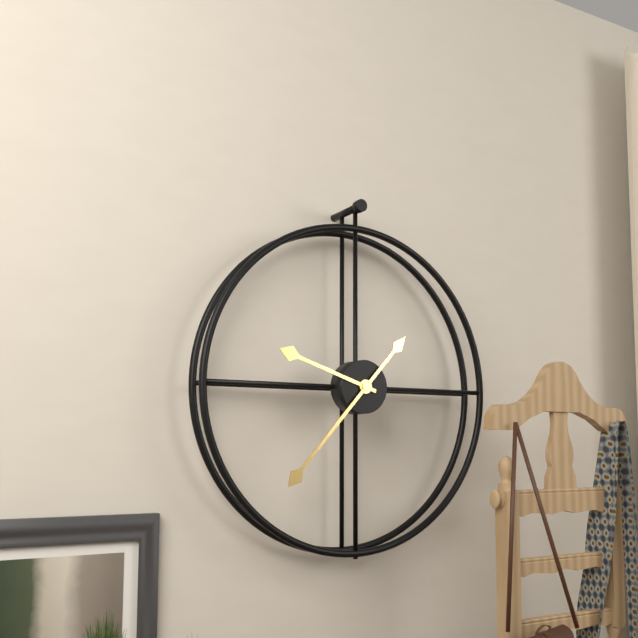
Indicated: 9 h 37 min
